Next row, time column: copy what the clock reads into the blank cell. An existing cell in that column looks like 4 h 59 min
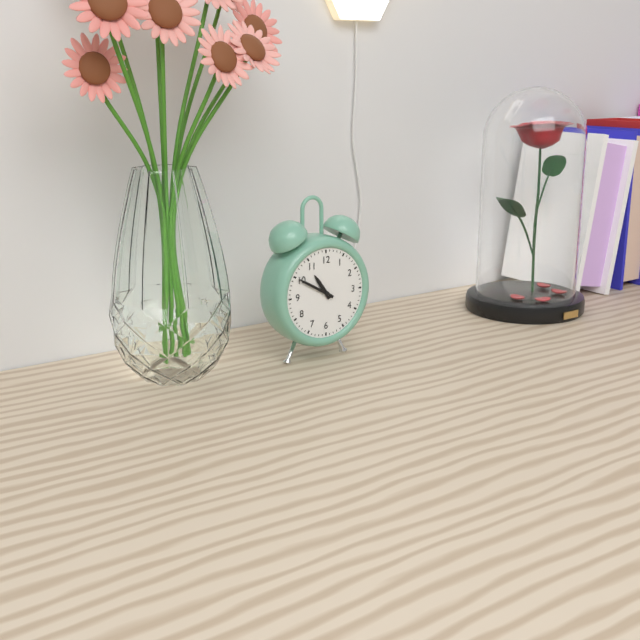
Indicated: 10 h 50 min
